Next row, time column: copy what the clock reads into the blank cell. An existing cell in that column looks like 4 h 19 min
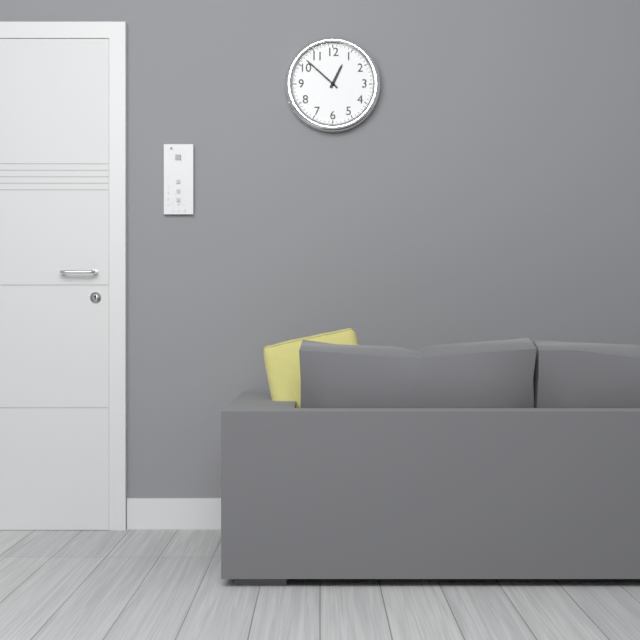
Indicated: 12 h 52 min
